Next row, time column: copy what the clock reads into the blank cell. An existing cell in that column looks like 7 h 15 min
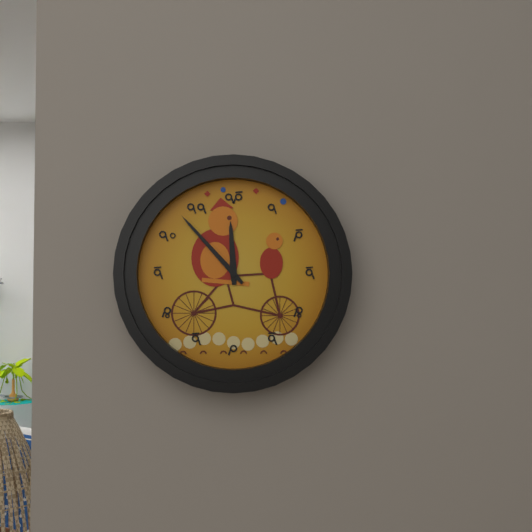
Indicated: 11 h 53 min
